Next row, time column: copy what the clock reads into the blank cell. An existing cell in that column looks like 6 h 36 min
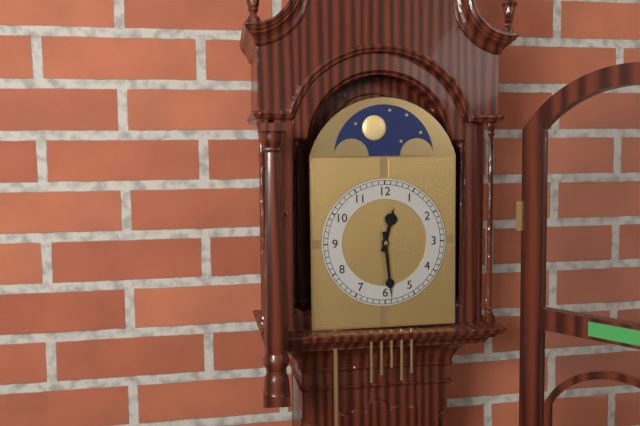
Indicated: 12 h 29 min
